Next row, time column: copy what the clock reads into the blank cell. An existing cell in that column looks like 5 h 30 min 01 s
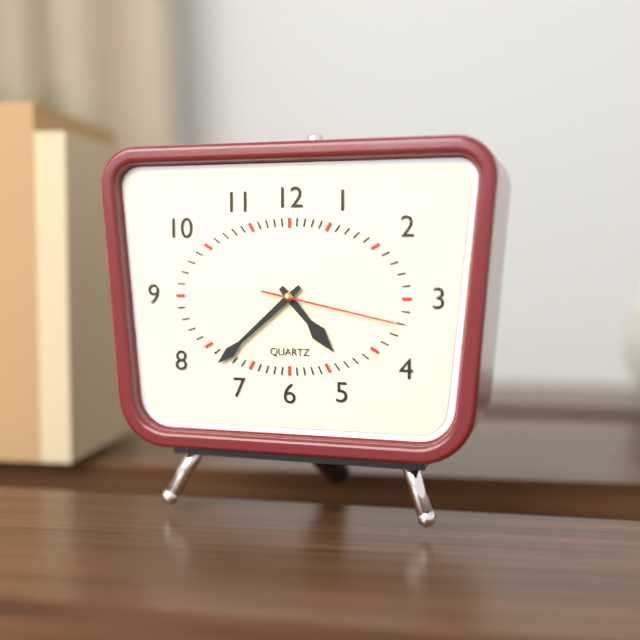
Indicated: 4 h 38 min 17 s
